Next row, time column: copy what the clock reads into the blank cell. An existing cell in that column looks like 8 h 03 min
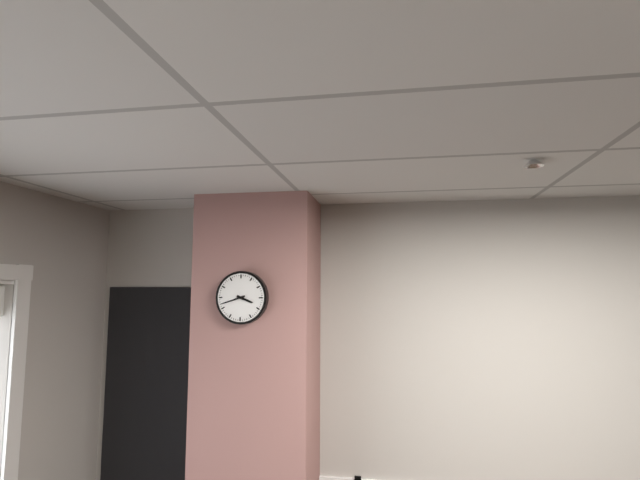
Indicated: 3 h 42 min
